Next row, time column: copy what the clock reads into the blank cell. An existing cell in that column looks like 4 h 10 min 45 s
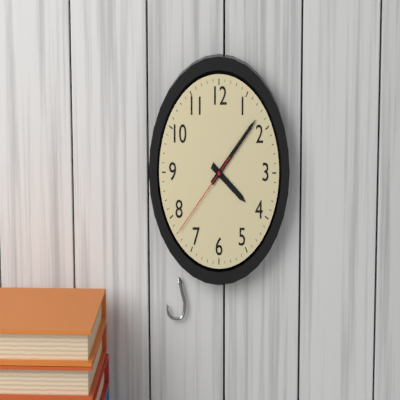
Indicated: 4 h 08 min 38 s
